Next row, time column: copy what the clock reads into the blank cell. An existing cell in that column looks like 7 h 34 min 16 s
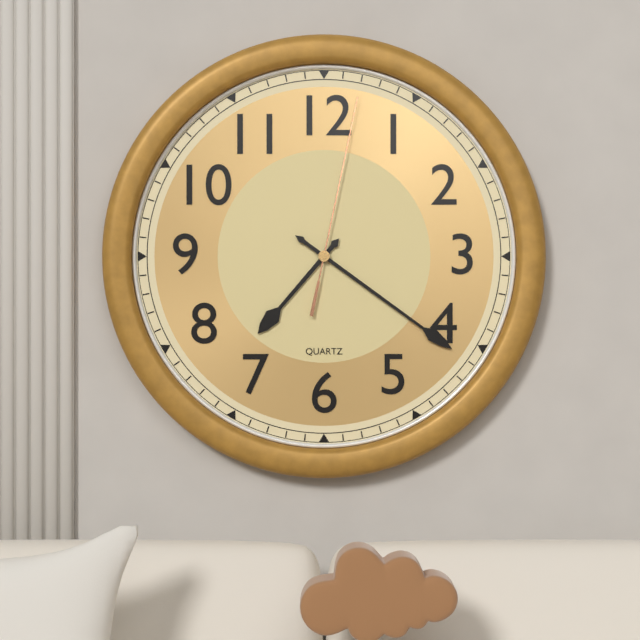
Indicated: 7 h 21 min 02 s
